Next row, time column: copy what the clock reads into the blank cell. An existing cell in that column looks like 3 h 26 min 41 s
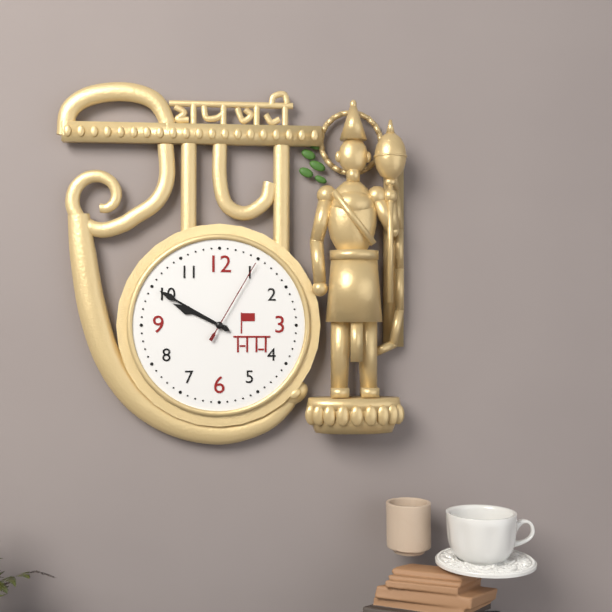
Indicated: 9 h 50 min 05 s
